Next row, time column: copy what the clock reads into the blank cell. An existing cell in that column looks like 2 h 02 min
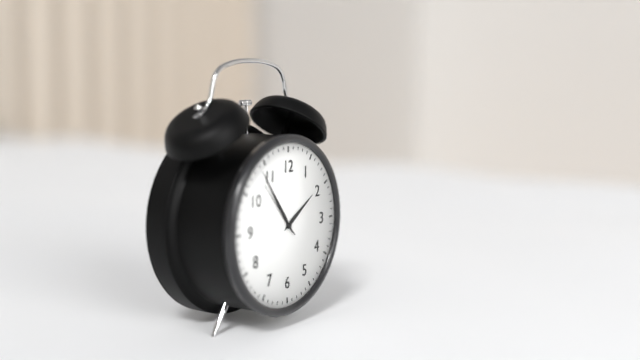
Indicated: 1 h 54 min
